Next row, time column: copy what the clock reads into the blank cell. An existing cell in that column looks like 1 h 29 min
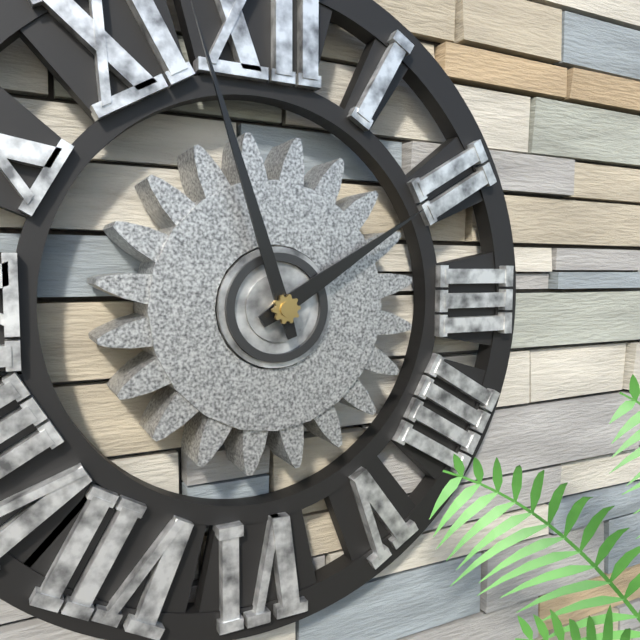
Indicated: 1 h 57 min
